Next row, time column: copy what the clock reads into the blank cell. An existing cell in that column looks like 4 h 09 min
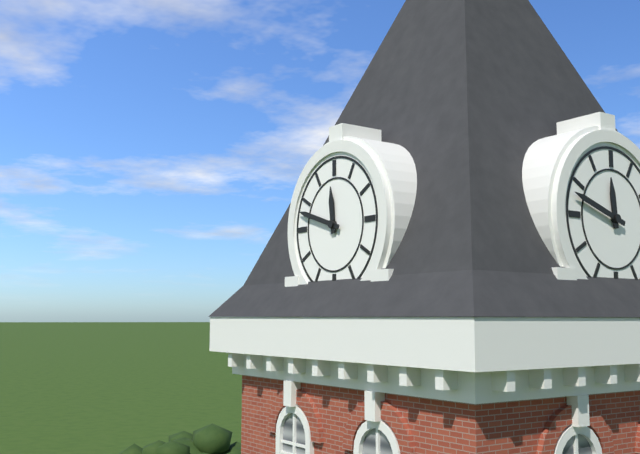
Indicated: 11 h 48 min
